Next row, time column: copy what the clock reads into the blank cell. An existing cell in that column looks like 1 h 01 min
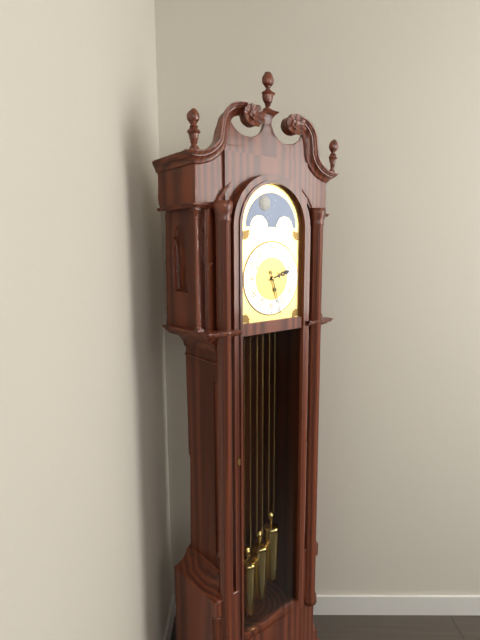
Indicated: 2 h 27 min
